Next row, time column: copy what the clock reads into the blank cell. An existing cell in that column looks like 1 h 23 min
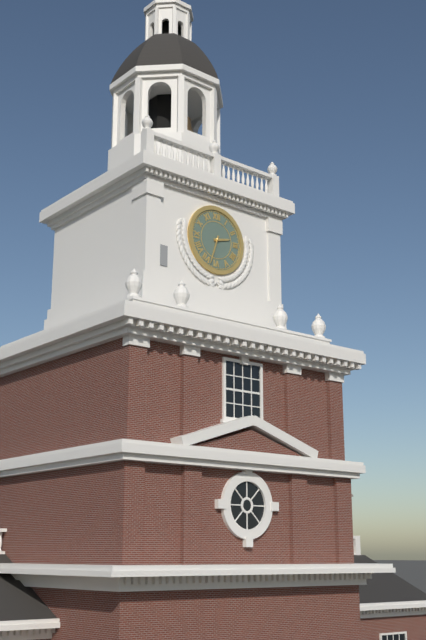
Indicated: 2 h 33 min
